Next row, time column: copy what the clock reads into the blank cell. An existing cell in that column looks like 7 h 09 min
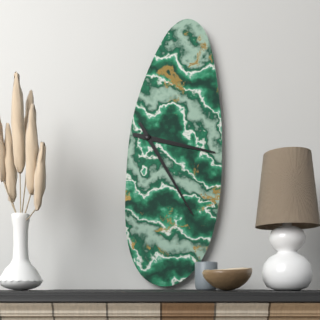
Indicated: 3 h 25 min
